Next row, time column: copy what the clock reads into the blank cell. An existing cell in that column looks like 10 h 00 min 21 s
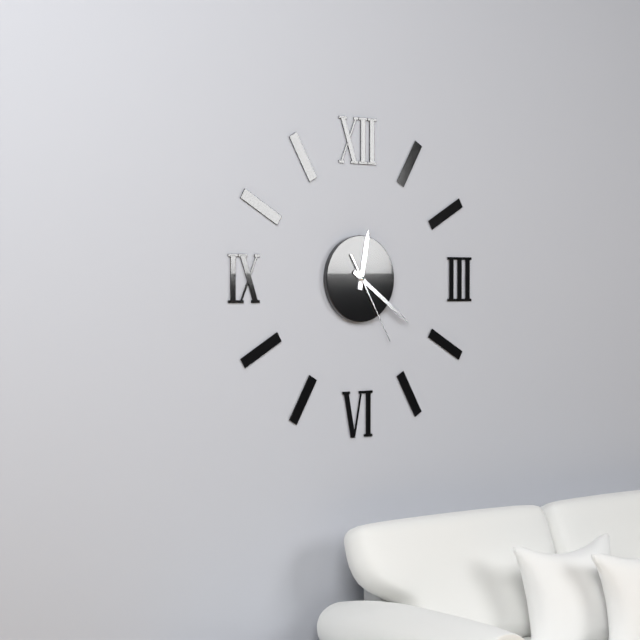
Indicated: 12 h 21 min 25 s
